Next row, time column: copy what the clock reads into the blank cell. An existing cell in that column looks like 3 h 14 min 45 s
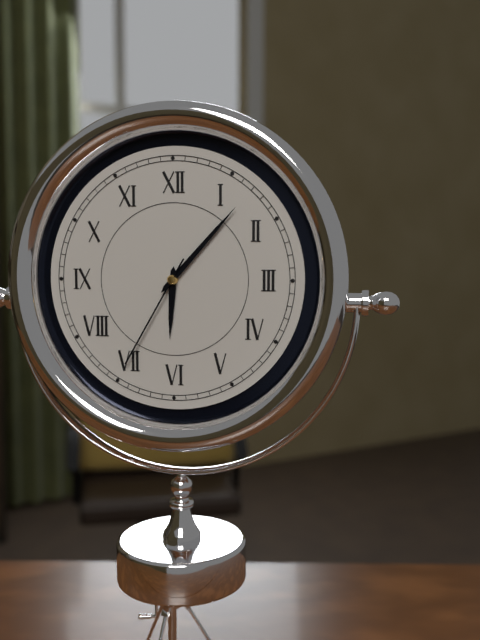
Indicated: 6 h 07 min 35 s
